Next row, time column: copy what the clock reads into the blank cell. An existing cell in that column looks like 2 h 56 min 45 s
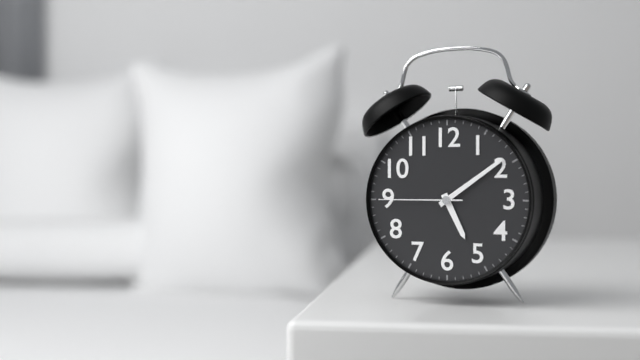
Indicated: 5 h 09 min 45 s
